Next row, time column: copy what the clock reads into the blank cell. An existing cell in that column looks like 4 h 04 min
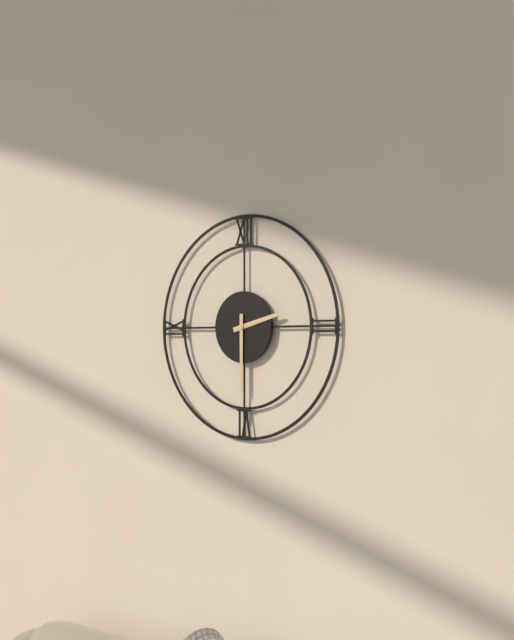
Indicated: 2 h 30 min
